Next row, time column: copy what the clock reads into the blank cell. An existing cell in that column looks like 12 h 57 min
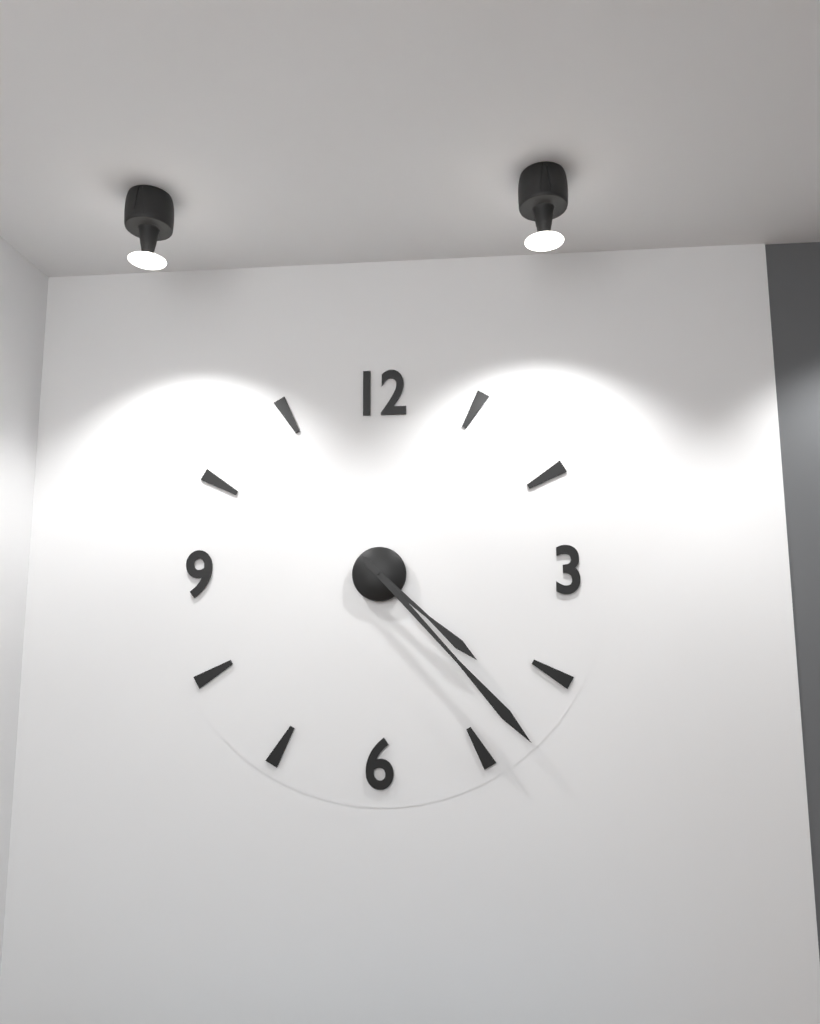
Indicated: 4 h 23 min
